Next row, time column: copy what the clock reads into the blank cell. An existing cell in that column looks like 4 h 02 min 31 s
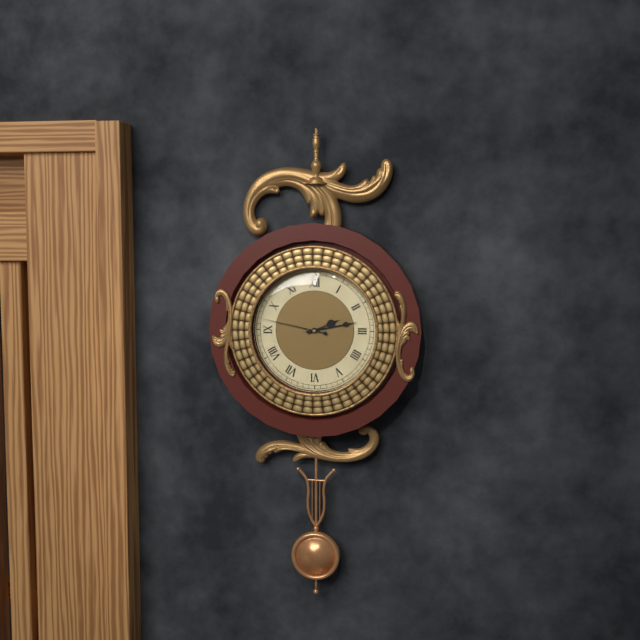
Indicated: 2 h 13 min 47 s
